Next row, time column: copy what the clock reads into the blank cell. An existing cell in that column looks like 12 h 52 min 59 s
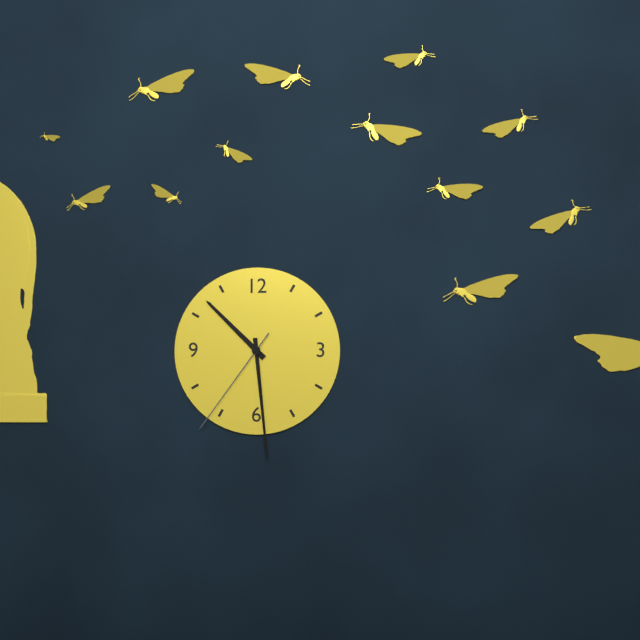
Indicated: 10 h 29 min 36 s
